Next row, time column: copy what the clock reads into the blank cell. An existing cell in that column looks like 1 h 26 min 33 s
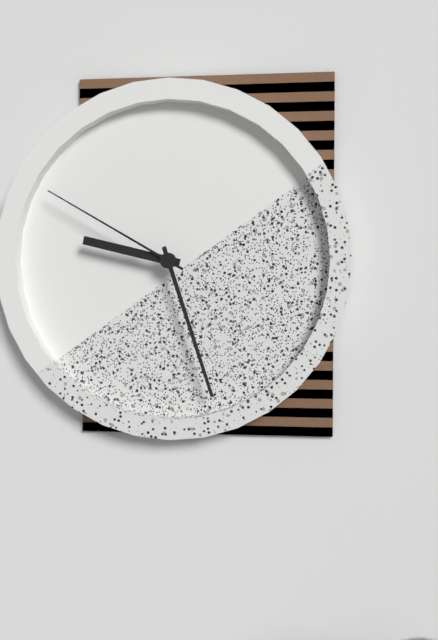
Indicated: 9 h 27 min 50 s
